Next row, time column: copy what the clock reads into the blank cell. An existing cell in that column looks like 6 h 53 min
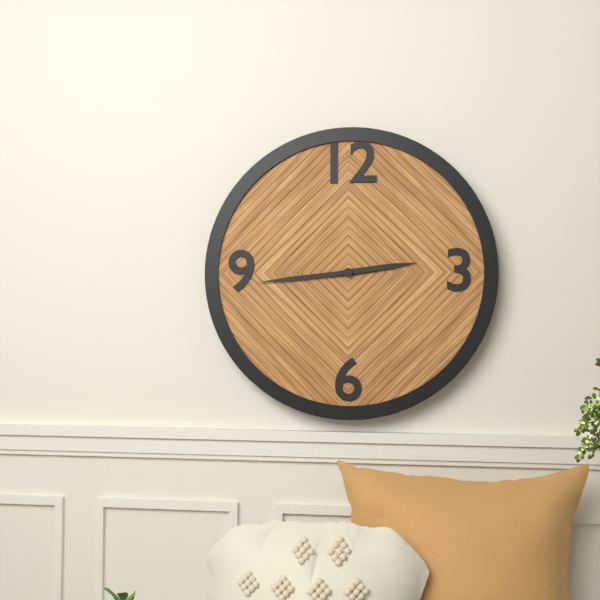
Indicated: 2 h 44 min
